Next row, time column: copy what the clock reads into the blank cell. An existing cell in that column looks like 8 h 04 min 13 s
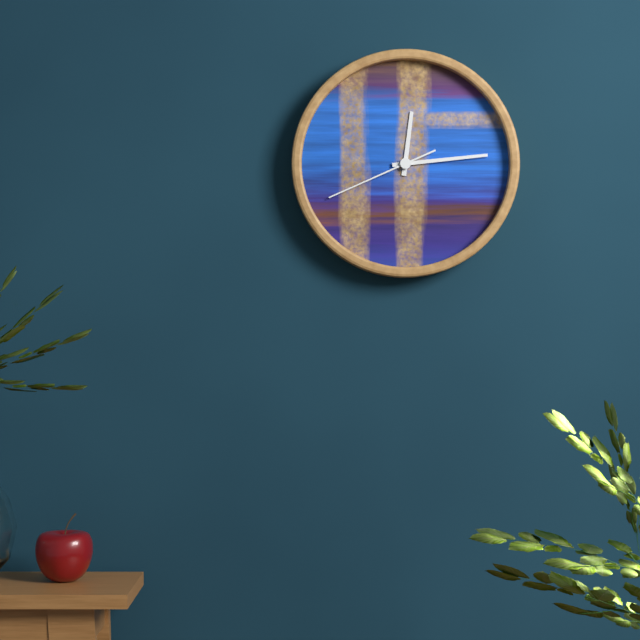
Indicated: 12 h 14 min 41 s
